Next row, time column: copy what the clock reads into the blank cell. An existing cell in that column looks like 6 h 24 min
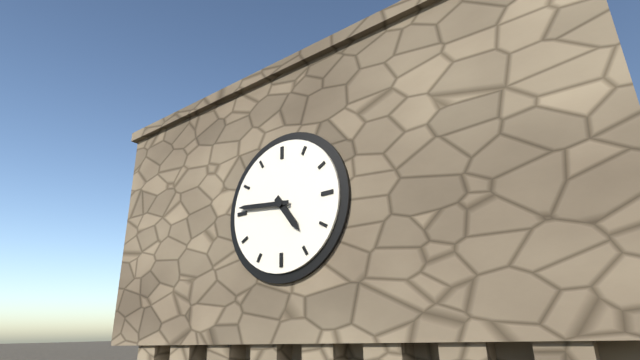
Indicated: 4 h 46 min
